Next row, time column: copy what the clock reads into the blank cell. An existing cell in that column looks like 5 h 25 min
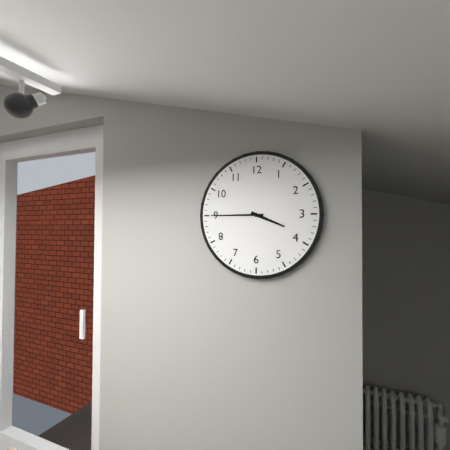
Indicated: 3 h 45 min
